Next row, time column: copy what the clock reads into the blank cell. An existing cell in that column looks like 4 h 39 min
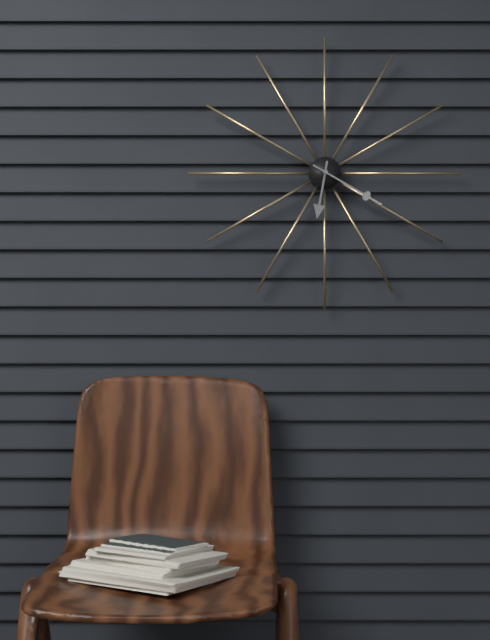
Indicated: 6 h 20 min
